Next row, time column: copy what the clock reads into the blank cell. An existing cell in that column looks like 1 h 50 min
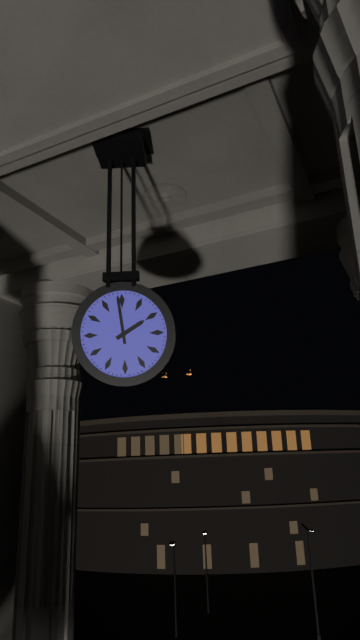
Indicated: 1 h 59 min
